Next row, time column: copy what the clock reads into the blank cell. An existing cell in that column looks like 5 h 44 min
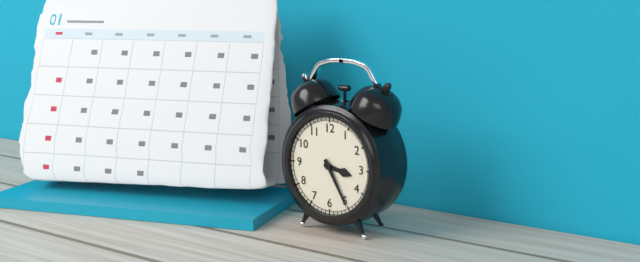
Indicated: 3 h 25 min
